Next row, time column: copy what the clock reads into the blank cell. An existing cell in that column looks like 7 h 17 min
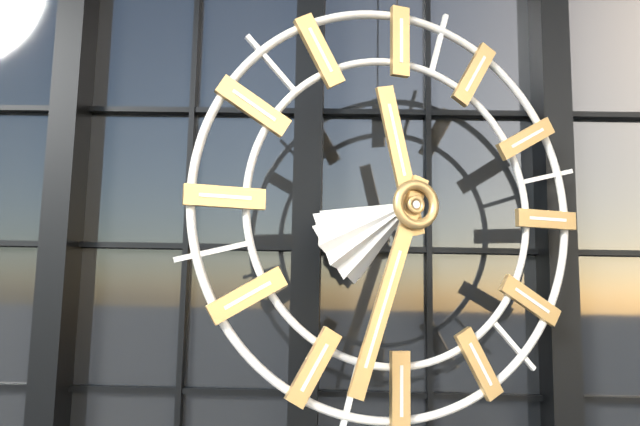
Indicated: 11 h 33 min
